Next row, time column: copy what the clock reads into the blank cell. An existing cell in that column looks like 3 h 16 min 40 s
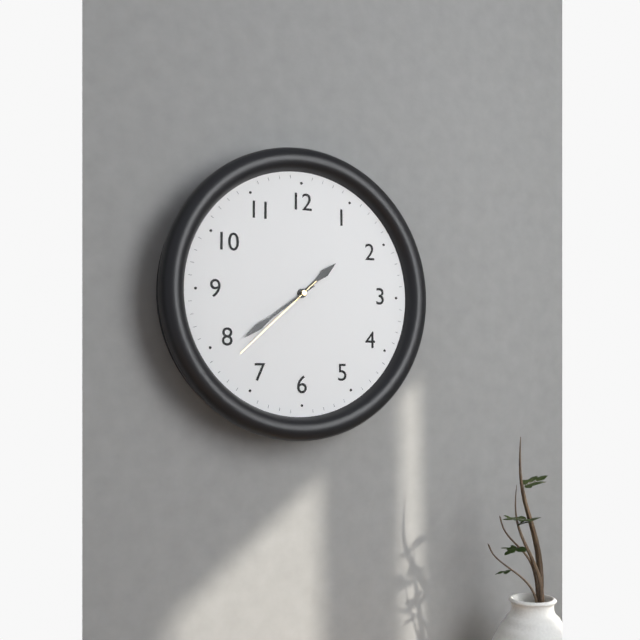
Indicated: 1 h 39 min 38 s
